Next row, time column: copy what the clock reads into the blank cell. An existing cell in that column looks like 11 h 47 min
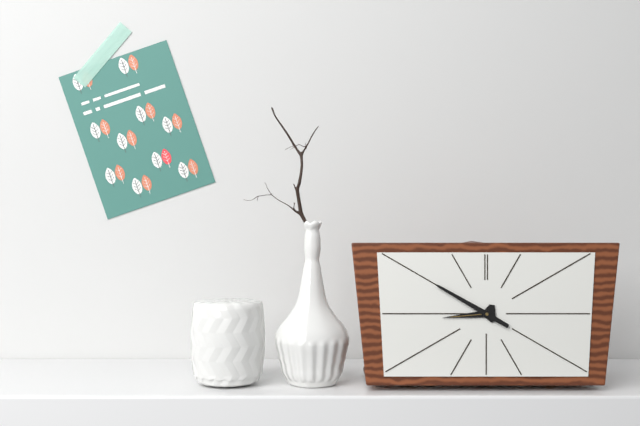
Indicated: 8 h 50 min
